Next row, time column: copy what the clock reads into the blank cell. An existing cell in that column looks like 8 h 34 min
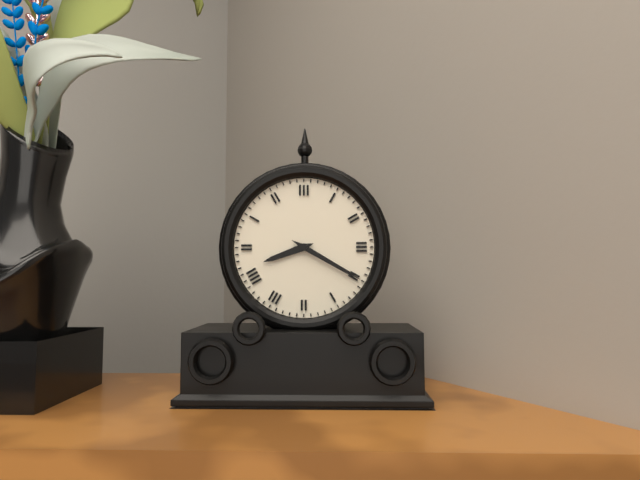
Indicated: 8 h 20 min
